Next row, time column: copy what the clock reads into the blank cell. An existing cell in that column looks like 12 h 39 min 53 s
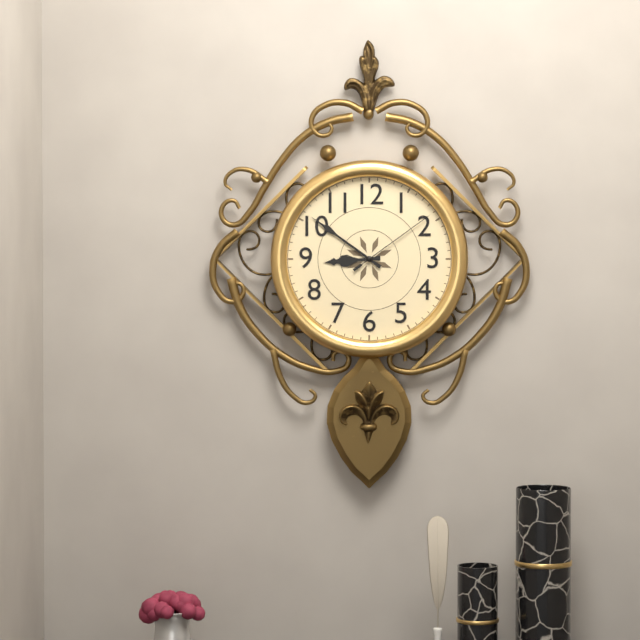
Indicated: 8 h 51 min 09 s
